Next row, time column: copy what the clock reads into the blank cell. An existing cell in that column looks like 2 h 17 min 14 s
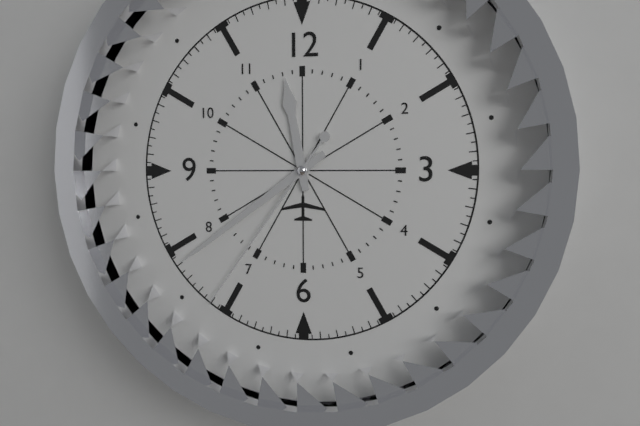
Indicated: 11 h 39 min 36 s
